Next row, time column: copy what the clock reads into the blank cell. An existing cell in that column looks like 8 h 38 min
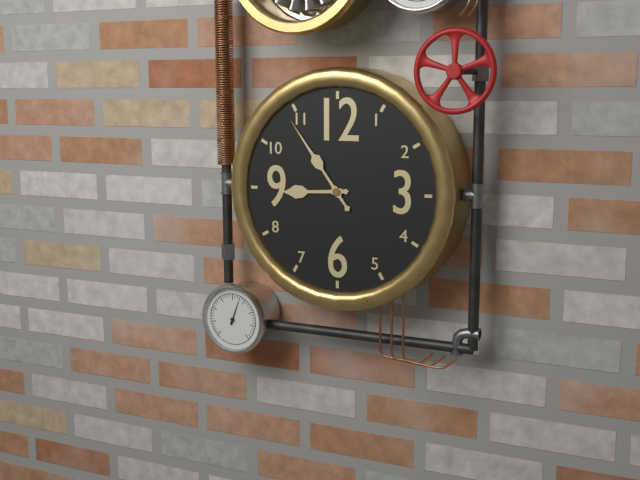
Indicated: 8 h 54 min
